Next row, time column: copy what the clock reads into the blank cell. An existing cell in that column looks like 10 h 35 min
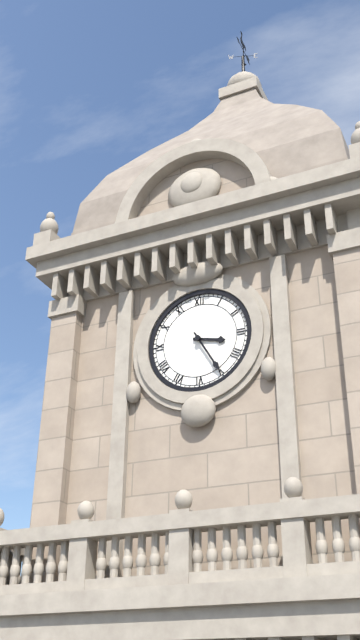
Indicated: 3 h 25 min
